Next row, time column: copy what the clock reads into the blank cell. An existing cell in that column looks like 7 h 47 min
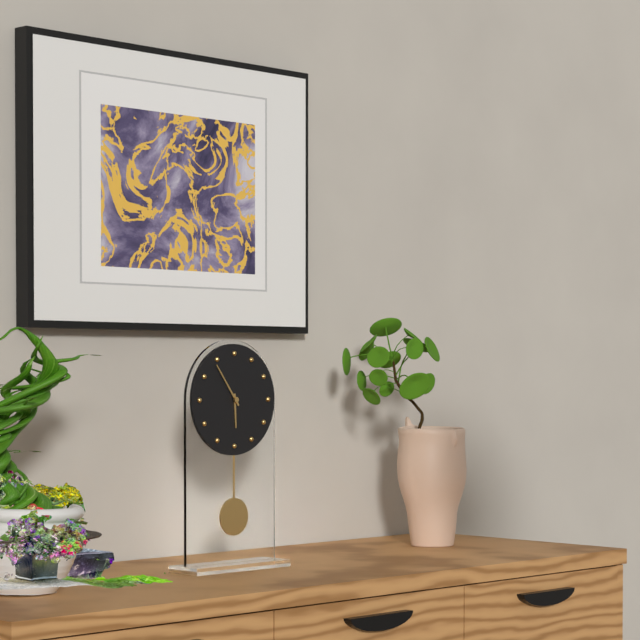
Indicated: 5 h 54 min
